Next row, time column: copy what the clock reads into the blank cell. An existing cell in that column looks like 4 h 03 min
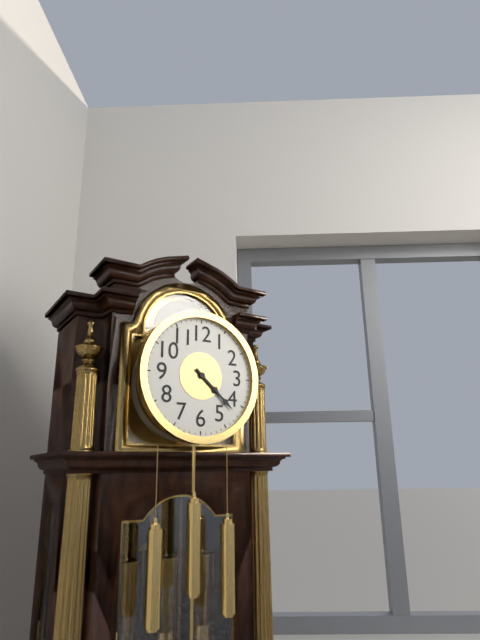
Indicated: 4 h 22 min
